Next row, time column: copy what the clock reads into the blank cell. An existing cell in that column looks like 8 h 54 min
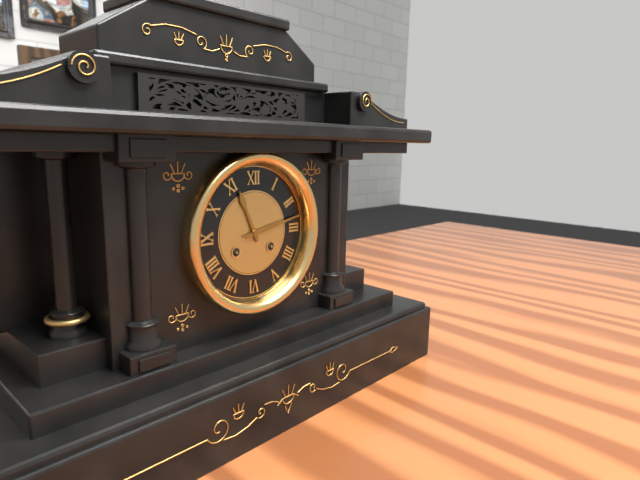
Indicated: 11 h 13 min
